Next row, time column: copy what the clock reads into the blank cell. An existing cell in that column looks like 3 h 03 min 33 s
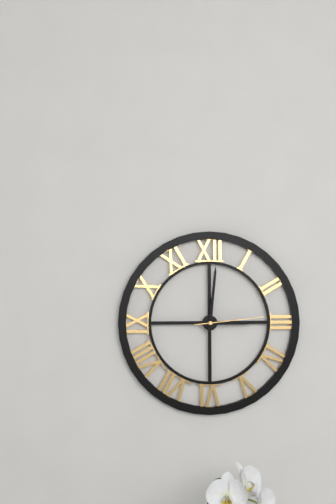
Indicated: 3 h 01 min 14 s
